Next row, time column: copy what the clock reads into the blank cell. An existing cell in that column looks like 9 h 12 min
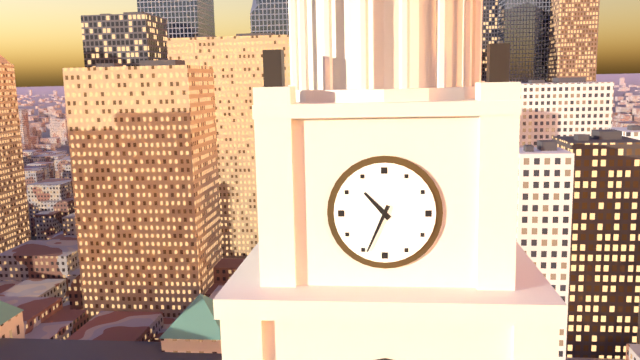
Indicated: 10 h 34 min
